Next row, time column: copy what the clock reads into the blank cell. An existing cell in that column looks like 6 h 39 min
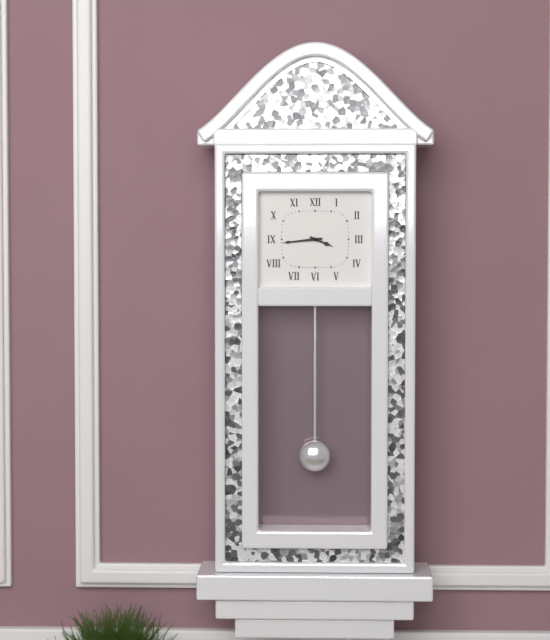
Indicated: 3 h 44 min
